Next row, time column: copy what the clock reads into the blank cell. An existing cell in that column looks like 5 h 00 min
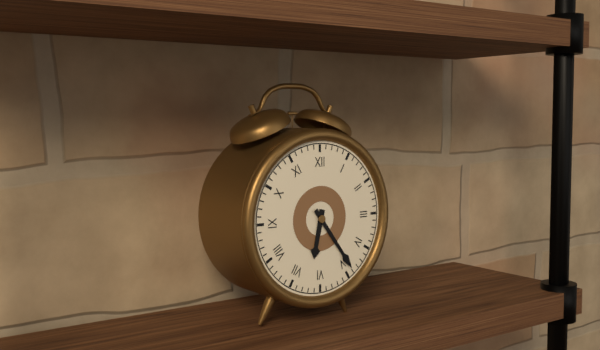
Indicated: 6 h 24 min
